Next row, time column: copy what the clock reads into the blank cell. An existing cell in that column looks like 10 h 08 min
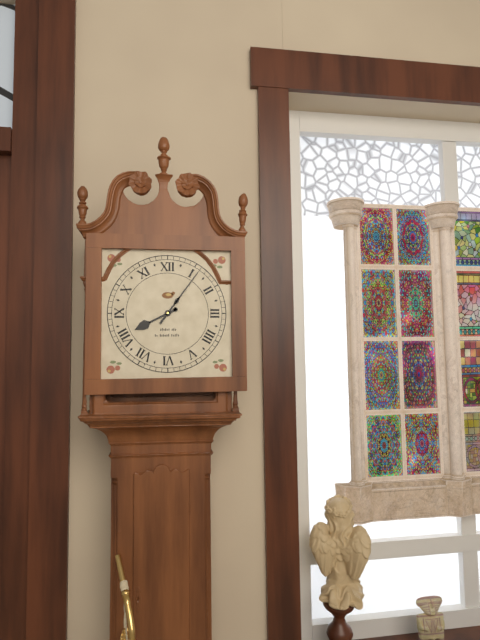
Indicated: 8 h 06 min
